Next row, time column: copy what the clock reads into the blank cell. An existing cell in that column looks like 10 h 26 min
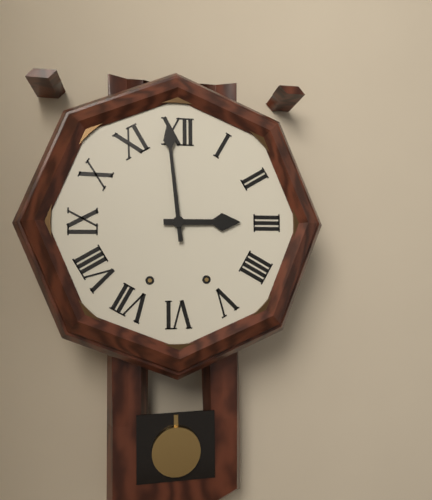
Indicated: 2 h 59 min
